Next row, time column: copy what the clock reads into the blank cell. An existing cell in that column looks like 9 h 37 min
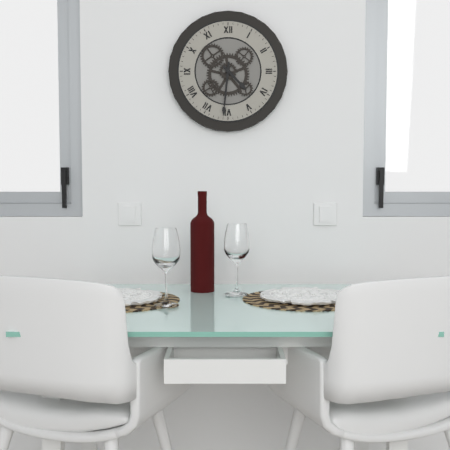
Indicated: 4 h 31 min
